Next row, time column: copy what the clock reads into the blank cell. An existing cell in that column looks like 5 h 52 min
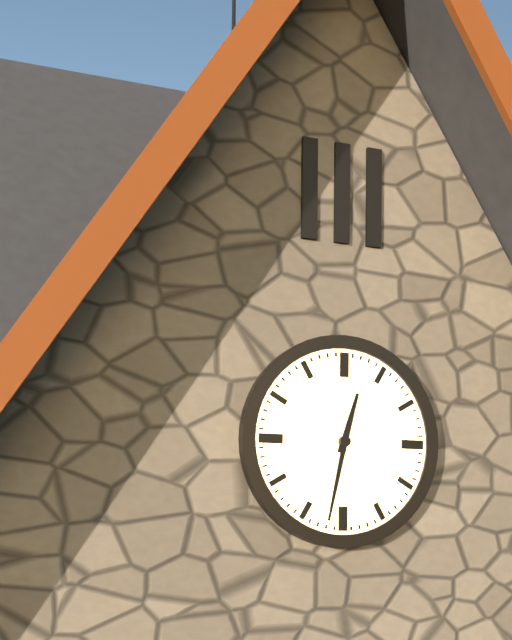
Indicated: 12 h 32 min
